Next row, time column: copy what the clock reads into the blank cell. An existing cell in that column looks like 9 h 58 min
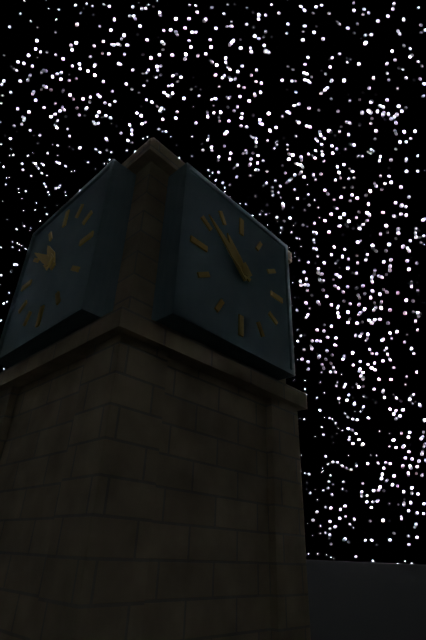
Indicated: 10 h 51 min
